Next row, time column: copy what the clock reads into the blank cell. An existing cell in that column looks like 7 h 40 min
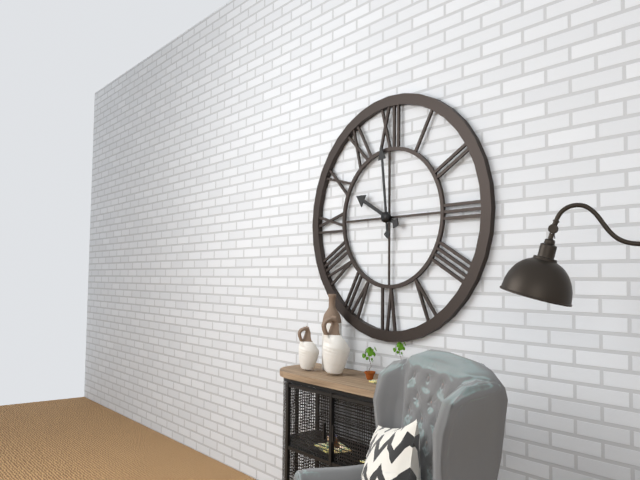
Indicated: 9 h 59 min
